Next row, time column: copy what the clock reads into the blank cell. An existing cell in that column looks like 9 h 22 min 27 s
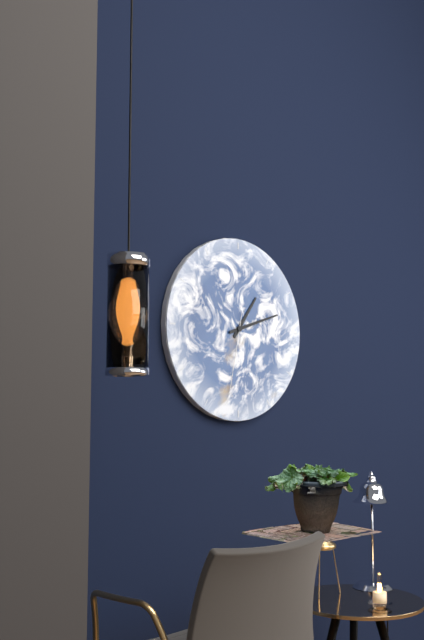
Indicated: 1 h 12 min 32 s
